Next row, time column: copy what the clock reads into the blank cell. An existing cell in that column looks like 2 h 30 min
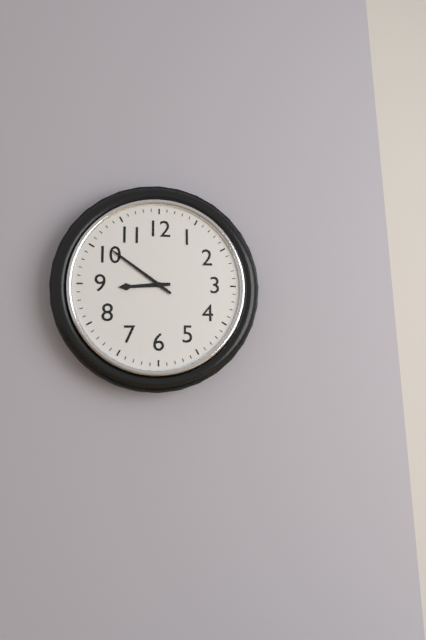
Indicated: 8 h 51 min
